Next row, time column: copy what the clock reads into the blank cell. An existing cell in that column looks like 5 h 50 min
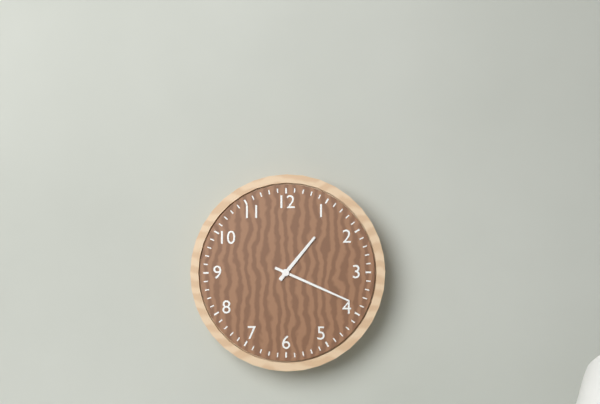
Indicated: 1 h 19 min
